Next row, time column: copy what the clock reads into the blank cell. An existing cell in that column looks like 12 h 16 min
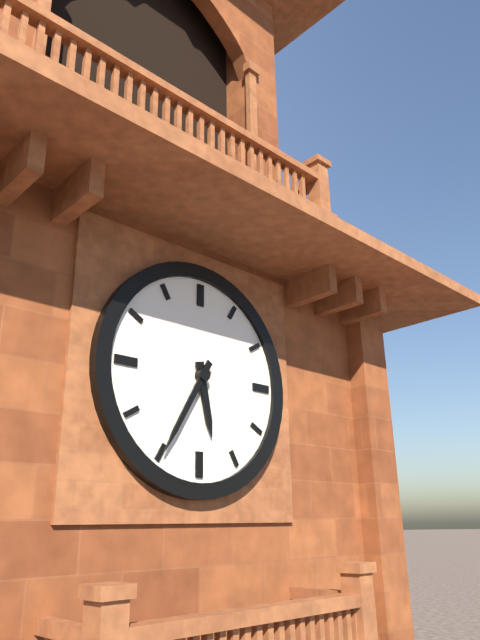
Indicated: 5 h 35 min
